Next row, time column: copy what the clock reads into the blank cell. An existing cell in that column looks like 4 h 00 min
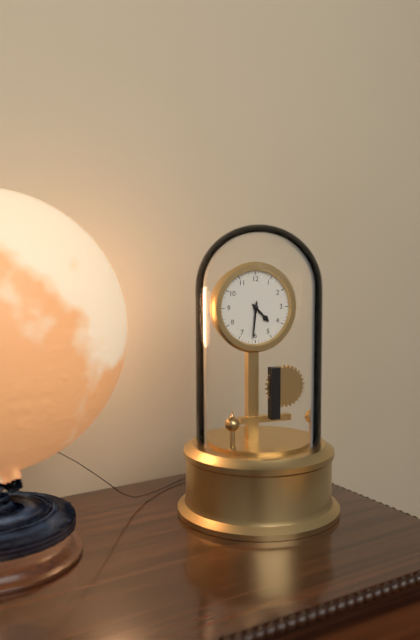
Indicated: 4 h 31 min
